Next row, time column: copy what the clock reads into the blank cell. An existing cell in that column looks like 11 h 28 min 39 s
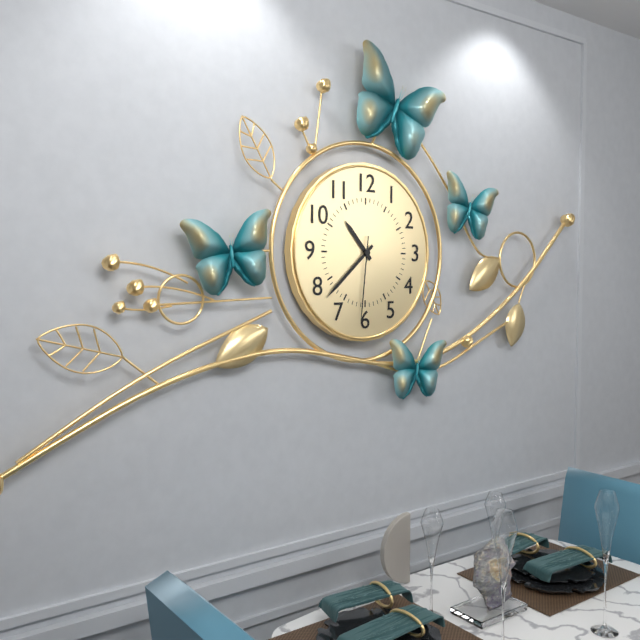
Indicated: 10 h 38 min 31 s
